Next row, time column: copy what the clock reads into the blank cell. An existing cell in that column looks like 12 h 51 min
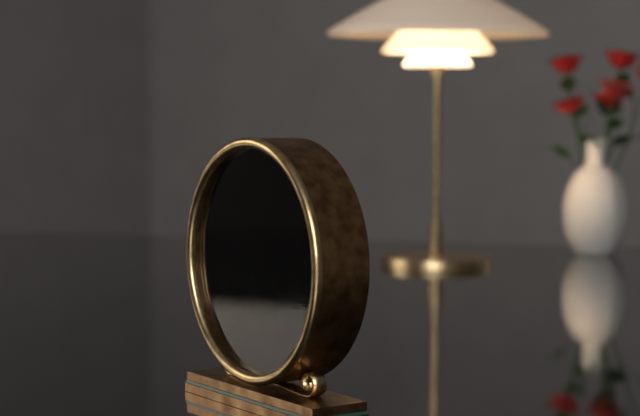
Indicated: 9 h 16 min
